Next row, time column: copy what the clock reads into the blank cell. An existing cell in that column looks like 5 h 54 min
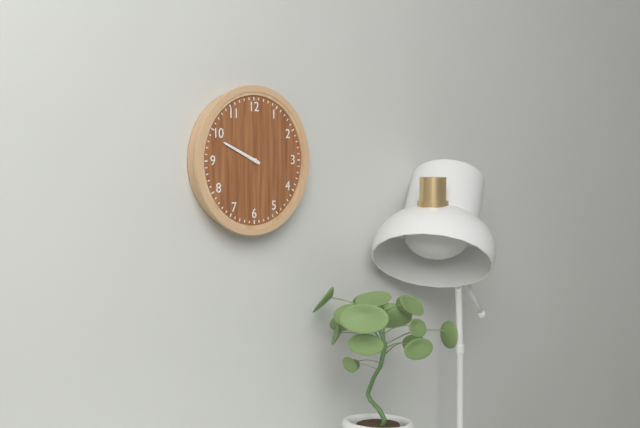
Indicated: 9 h 49 min
